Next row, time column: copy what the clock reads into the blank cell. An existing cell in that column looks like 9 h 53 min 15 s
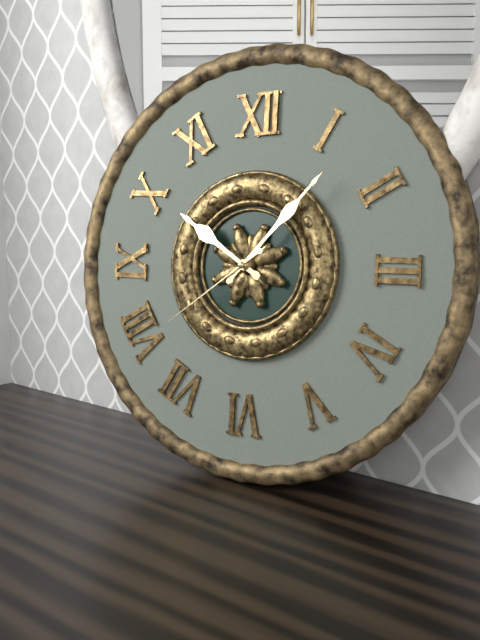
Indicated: 10 h 07 min 39 s
